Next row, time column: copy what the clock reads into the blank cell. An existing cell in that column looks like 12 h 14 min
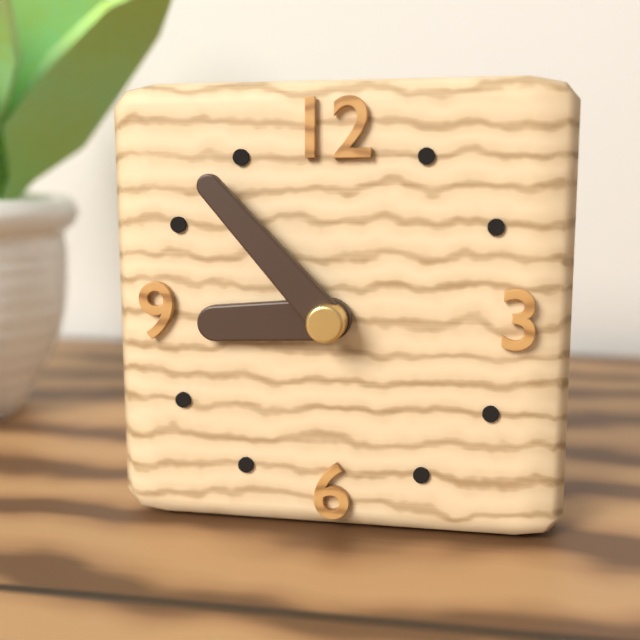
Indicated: 8 h 53 min
